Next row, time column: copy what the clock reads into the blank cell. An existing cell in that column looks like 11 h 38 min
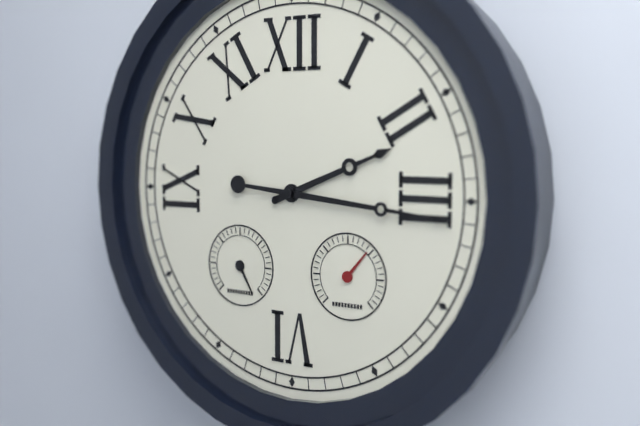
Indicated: 2 h 16 min
